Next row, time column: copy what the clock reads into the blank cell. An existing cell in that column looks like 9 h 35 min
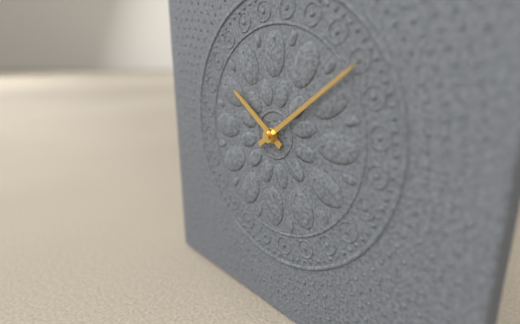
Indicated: 10 h 09 min
